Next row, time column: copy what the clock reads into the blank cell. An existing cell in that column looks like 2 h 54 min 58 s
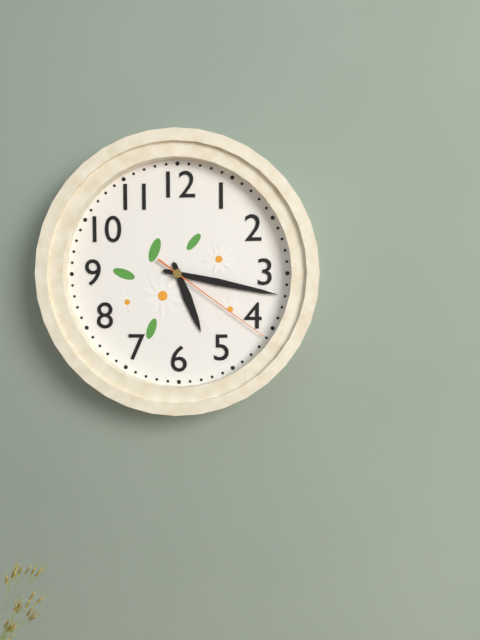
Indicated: 5 h 17 min 21 s
